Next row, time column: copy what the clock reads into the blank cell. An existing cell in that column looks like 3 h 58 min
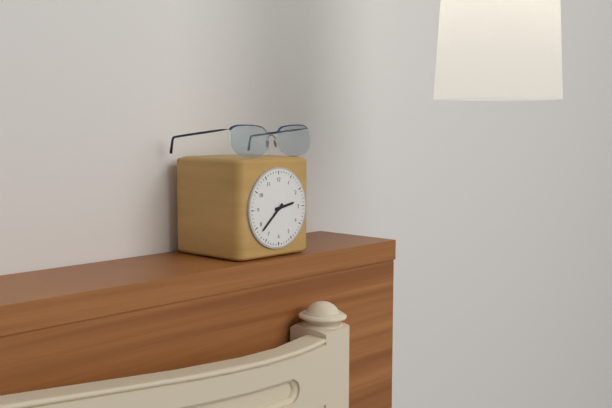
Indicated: 2 h 38 min
